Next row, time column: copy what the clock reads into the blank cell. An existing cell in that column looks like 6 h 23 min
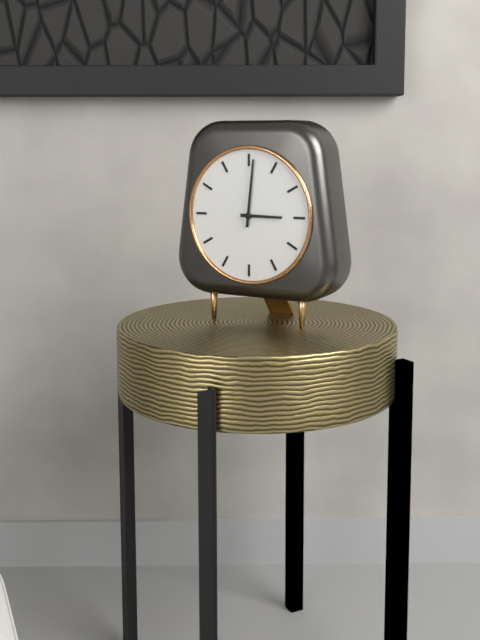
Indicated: 3 h 01 min
